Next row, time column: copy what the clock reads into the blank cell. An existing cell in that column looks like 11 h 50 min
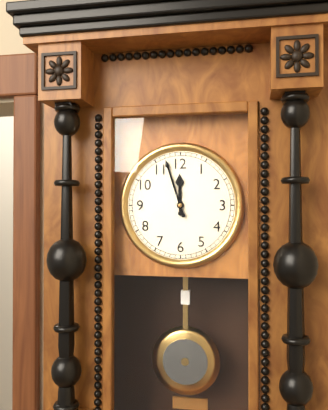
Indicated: 11 h 57 min
